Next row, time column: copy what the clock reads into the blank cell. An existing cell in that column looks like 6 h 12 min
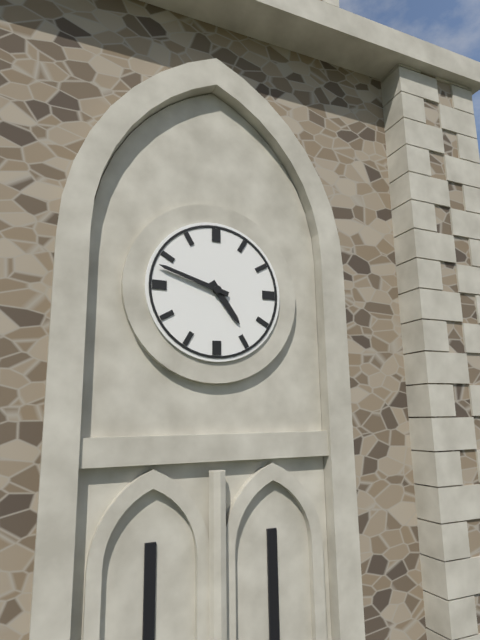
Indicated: 4 h 48 min
